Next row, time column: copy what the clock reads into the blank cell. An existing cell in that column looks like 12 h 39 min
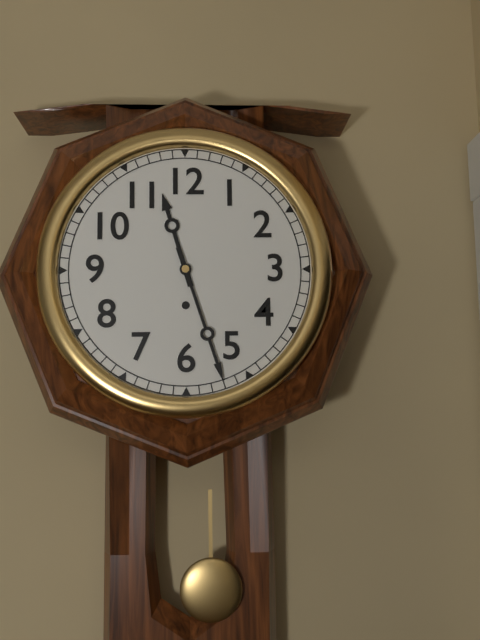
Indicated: 11 h 27 min
